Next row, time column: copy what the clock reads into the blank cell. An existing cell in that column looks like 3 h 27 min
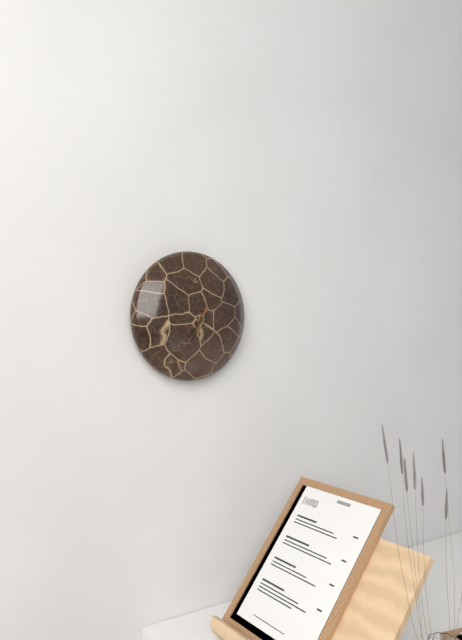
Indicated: 6 h 35 min
